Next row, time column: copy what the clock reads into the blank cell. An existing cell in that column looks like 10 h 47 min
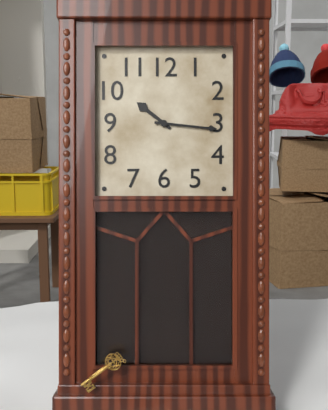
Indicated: 10 h 16 min
